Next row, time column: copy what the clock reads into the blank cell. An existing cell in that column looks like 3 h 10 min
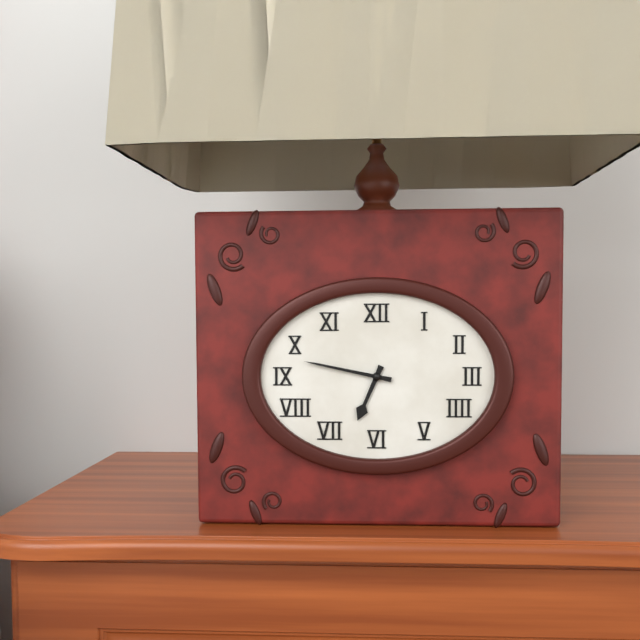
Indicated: 6 h 47 min
